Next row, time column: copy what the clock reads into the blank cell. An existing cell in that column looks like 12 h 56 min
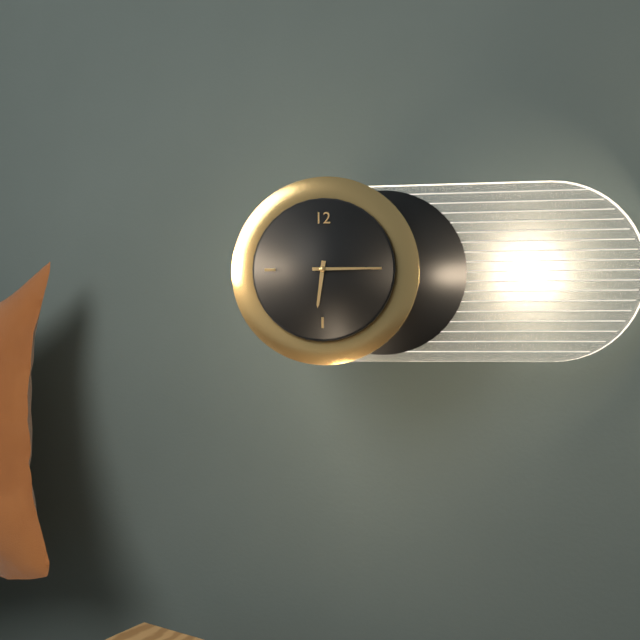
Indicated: 6 h 15 min
